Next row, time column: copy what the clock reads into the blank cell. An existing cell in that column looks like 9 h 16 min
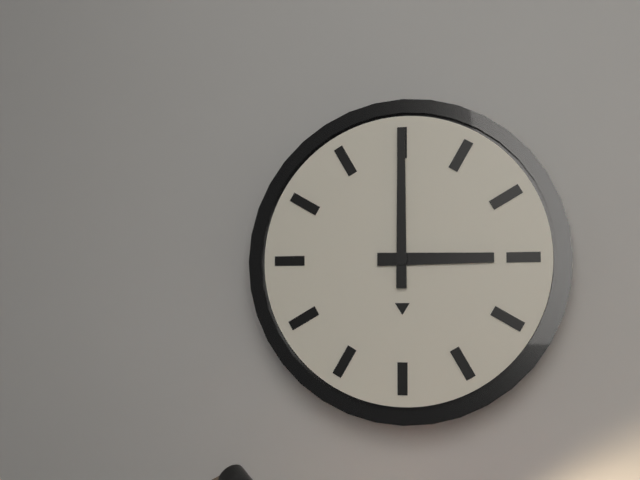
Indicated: 3 h 00 min
